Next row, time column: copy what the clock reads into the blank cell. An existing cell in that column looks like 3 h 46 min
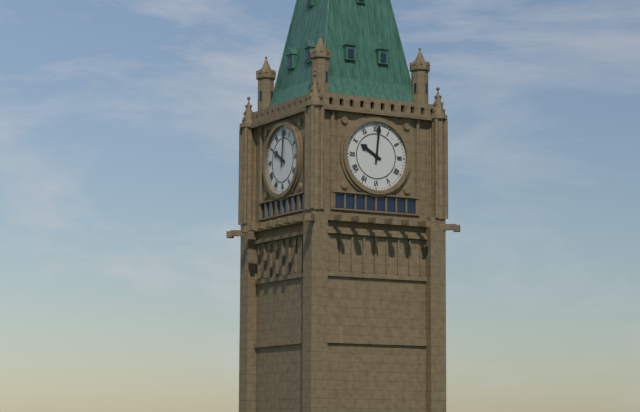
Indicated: 10 h 01 min
